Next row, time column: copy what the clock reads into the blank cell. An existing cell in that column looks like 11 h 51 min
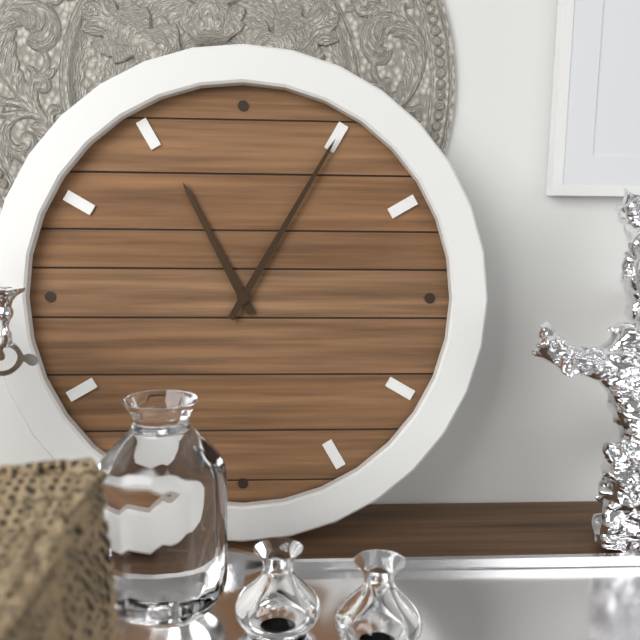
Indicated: 11 h 05 min
